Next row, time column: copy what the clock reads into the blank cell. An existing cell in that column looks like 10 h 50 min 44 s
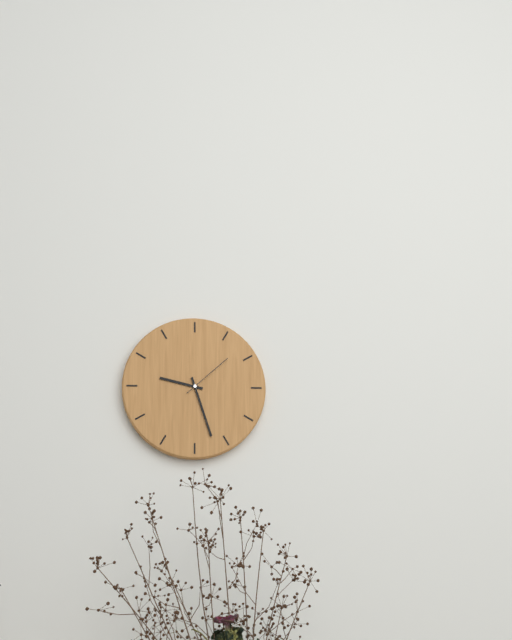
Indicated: 9 h 27 min 08 s
